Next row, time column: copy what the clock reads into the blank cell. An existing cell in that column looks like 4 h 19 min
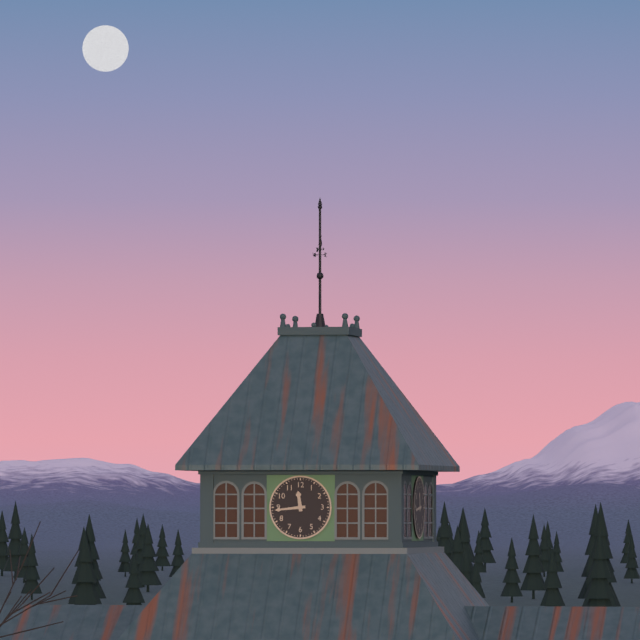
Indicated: 11 h 44 min
